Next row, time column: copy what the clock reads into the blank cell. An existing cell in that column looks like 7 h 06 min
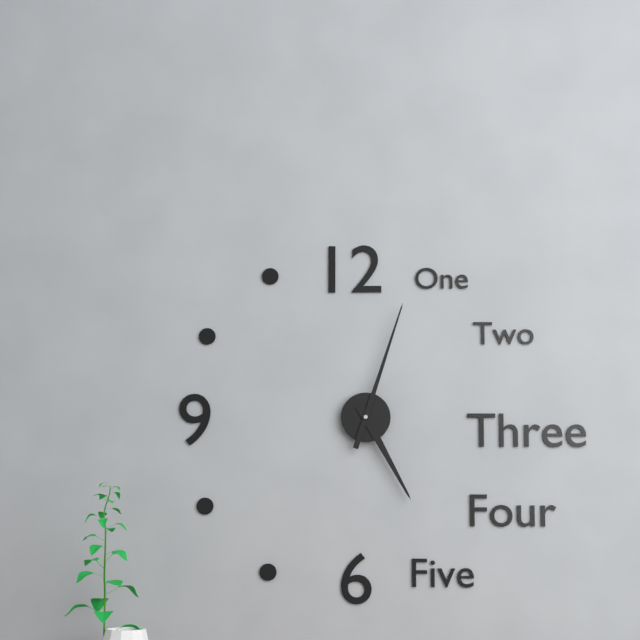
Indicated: 5 h 03 min
